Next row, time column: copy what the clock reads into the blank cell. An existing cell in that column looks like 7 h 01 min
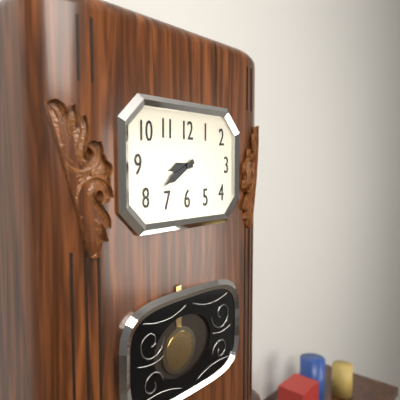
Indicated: 8 h 40 min
